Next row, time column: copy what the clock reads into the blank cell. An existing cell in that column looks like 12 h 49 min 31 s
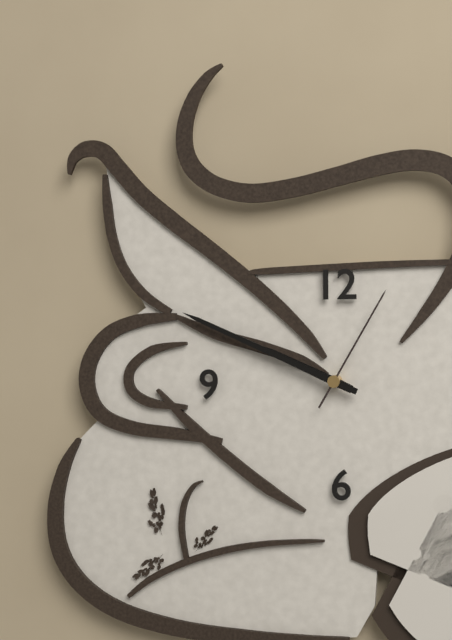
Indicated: 9 h 49 min 05 s
